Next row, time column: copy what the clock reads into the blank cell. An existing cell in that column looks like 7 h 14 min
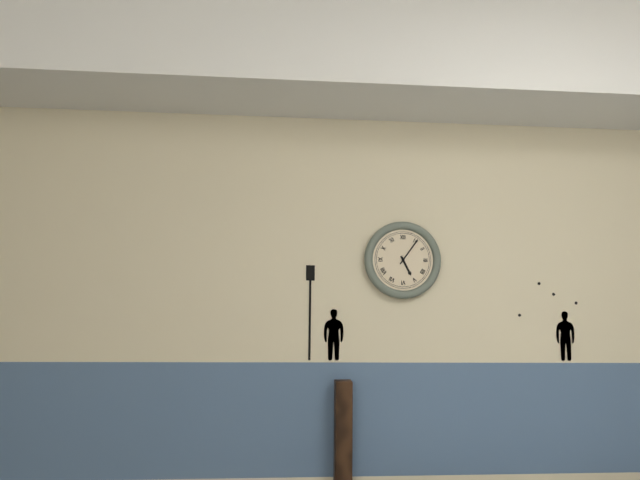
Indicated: 5 h 06 min
